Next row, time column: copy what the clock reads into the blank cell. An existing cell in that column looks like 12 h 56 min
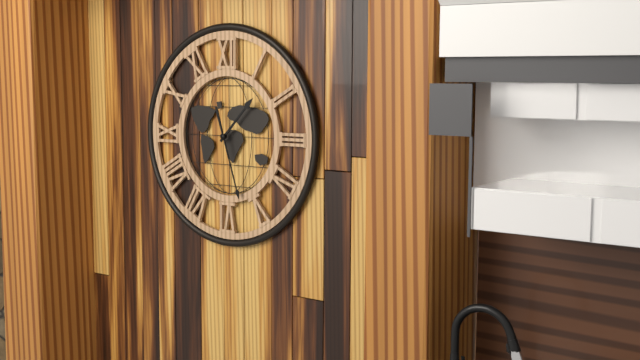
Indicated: 1 h 27 min
